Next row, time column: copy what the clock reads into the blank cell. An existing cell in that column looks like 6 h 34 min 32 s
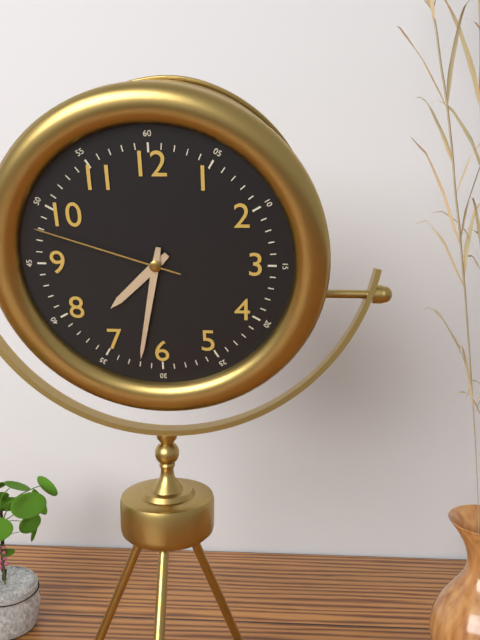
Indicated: 7 h 32 min 48 s
